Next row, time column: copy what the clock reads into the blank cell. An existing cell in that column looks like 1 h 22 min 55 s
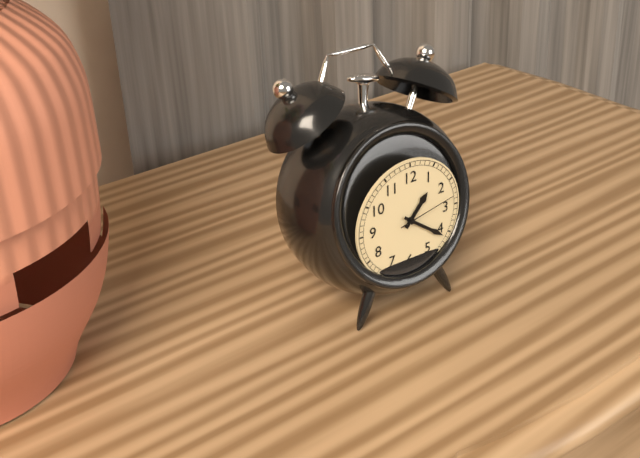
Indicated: 1 h 21 min 13 s
